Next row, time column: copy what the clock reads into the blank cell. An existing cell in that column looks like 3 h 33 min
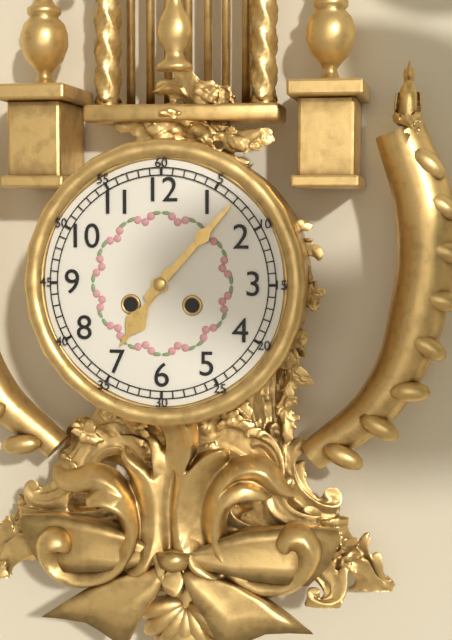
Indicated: 7 h 07 min
